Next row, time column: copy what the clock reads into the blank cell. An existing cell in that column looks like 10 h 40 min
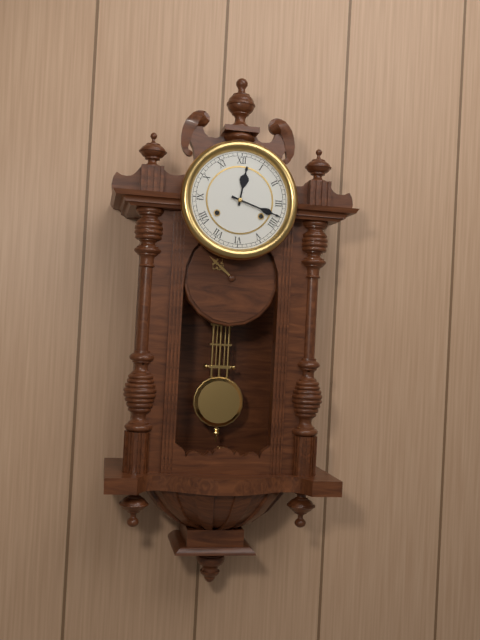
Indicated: 12 h 18 min
